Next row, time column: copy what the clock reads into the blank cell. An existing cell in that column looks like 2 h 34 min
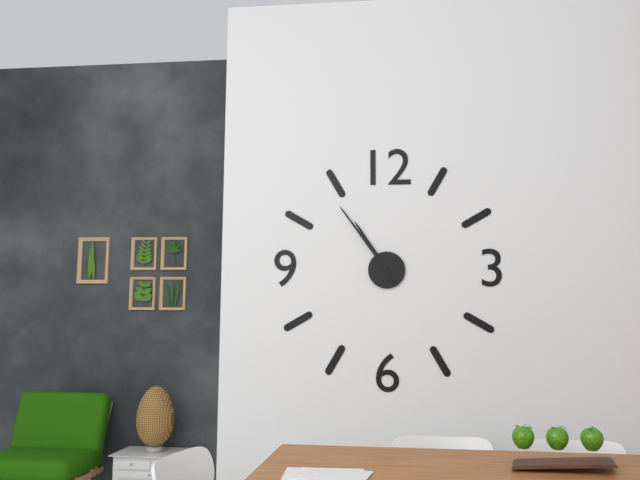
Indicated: 10 h 54 min
